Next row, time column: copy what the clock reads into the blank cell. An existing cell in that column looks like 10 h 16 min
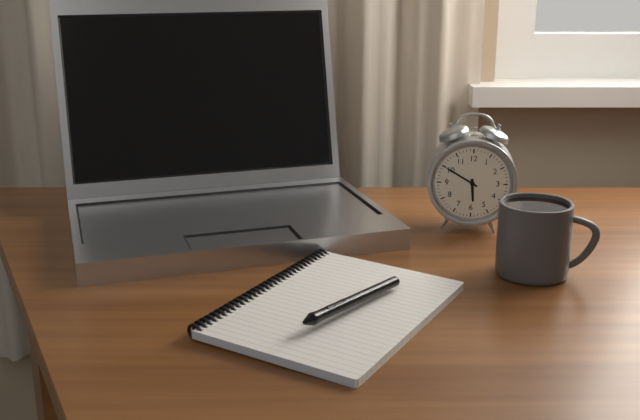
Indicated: 5 h 50 min
